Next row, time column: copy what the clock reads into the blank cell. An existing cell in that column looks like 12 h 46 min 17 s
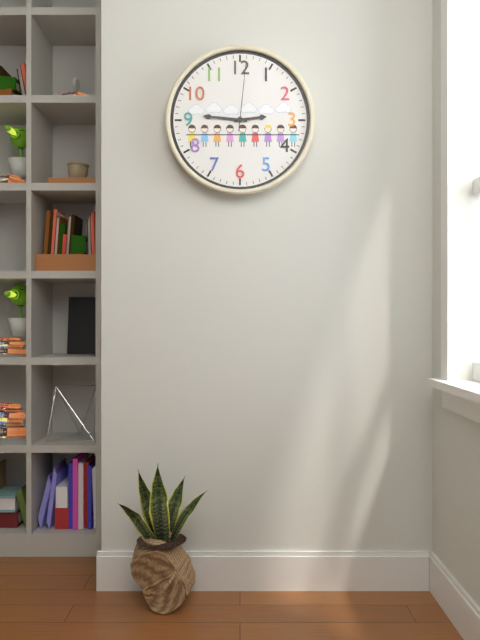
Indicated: 2 h 46 min 01 s
